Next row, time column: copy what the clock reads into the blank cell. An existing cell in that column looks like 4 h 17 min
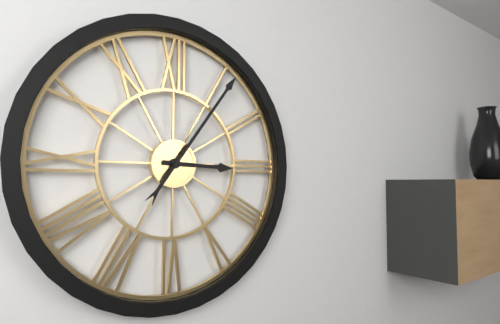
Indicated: 3 h 06 min
